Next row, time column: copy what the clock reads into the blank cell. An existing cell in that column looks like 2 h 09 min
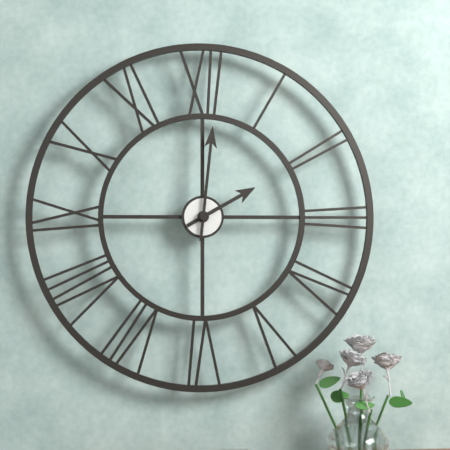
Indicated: 2 h 01 min
